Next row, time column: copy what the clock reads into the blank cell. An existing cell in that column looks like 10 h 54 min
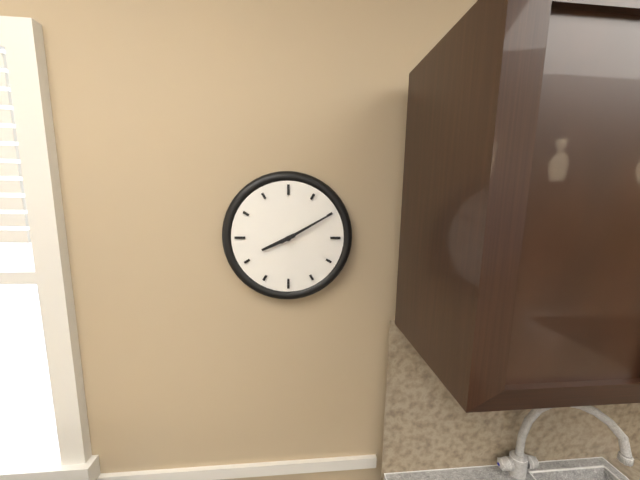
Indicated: 8 h 10 min
